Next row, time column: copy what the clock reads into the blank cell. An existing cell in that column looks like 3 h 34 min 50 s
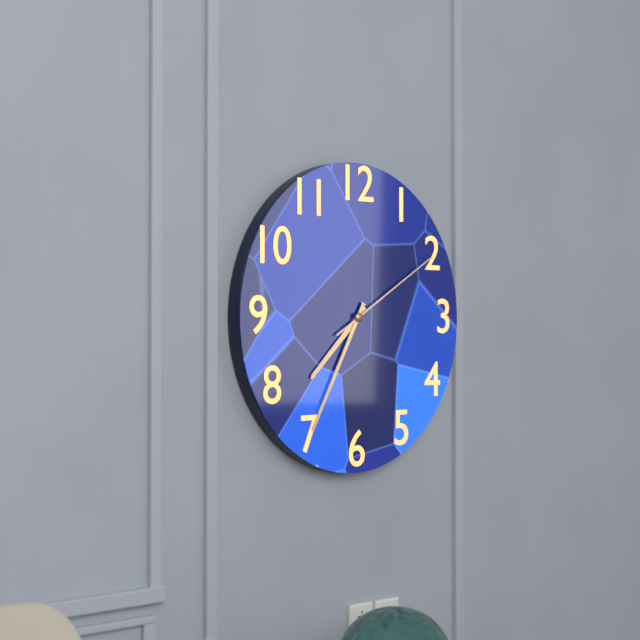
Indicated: 7 h 35 min 10 s
